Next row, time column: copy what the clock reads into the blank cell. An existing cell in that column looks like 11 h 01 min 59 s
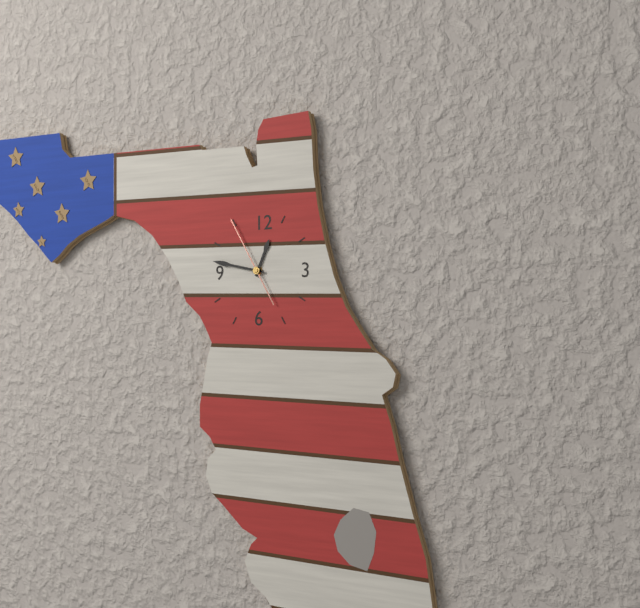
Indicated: 12 h 47 min 55 s
